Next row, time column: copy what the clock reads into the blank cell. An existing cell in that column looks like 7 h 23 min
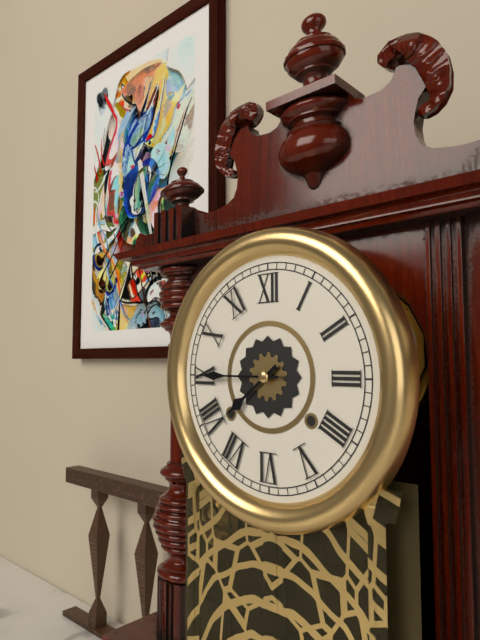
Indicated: 7 h 45 min
